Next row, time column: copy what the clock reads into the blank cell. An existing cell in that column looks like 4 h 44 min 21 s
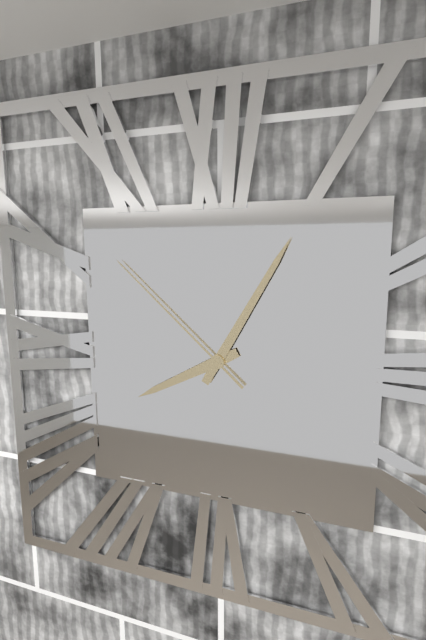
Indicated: 8 h 05 min 52 s
